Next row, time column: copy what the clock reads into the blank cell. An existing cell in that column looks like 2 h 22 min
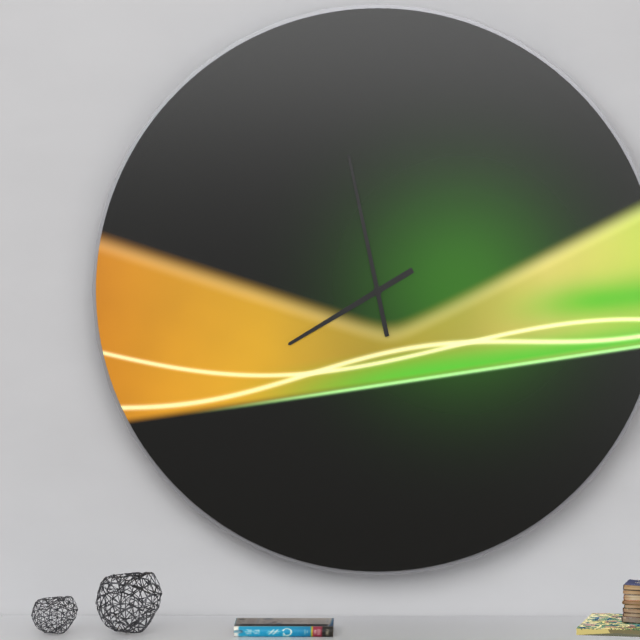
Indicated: 7 h 58 min
